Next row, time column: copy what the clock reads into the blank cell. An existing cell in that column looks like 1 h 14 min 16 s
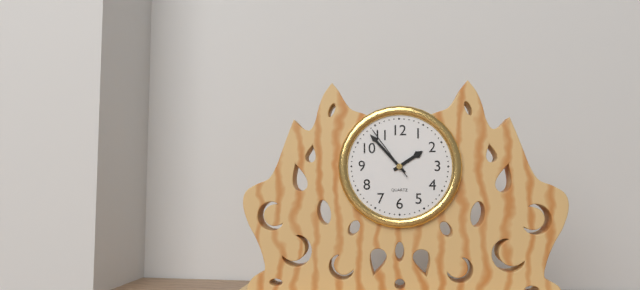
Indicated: 1 h 53 min 54 s
